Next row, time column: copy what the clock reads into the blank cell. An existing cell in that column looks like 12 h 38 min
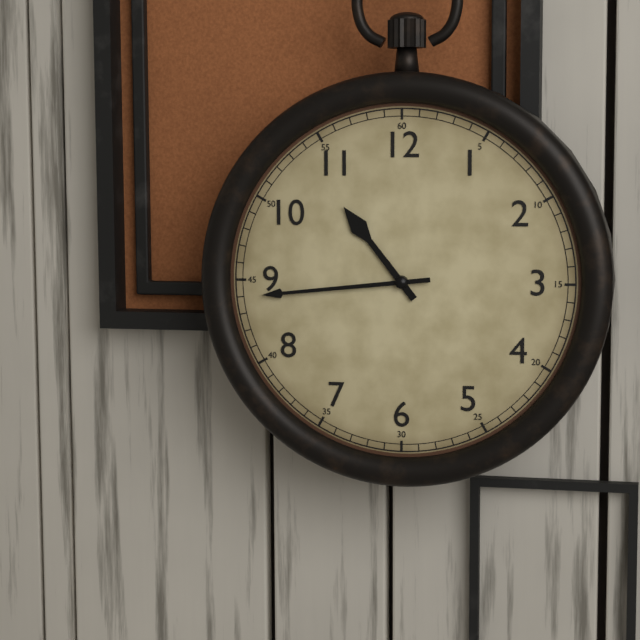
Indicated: 10 h 44 min
